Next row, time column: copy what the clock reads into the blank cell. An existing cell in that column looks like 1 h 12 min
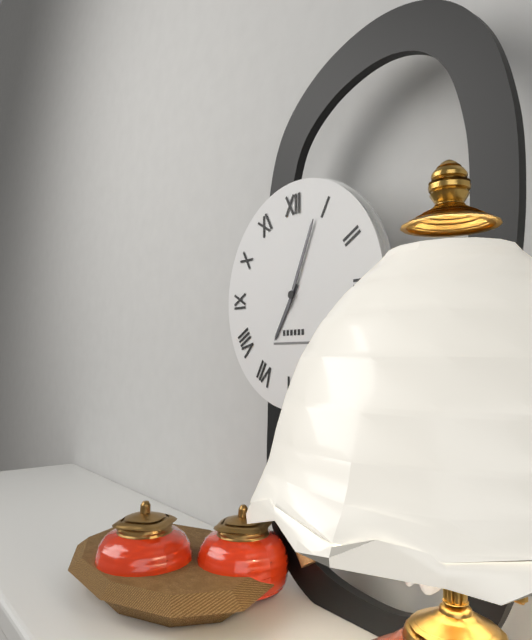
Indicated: 7 h 04 min
